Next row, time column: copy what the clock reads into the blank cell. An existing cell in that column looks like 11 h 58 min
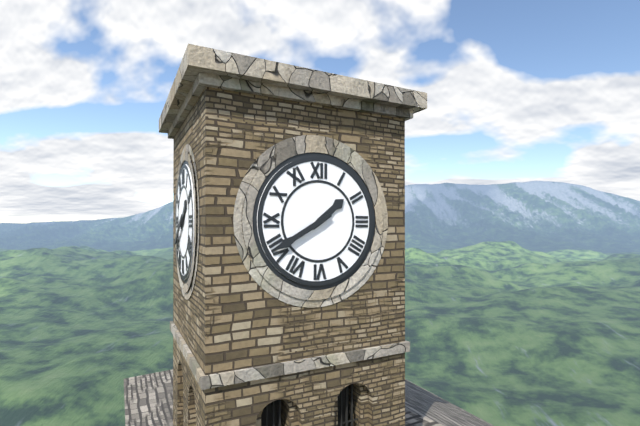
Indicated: 1 h 40 min
